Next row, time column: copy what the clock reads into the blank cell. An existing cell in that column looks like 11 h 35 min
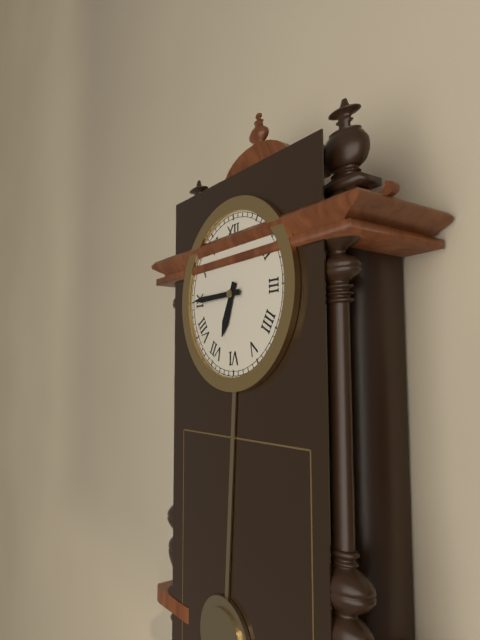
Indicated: 6 h 45 min
